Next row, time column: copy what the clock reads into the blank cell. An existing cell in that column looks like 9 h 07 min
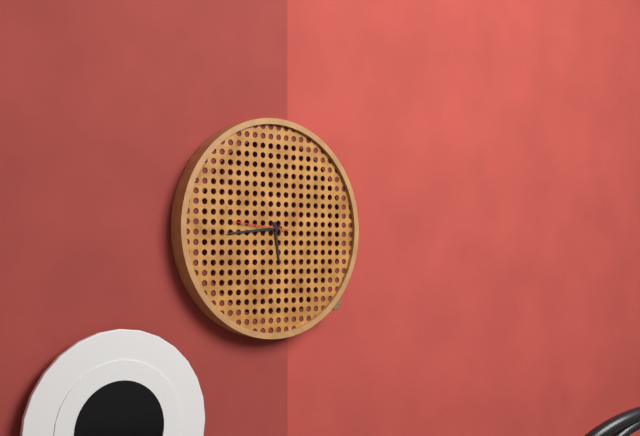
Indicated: 5 h 44 min
